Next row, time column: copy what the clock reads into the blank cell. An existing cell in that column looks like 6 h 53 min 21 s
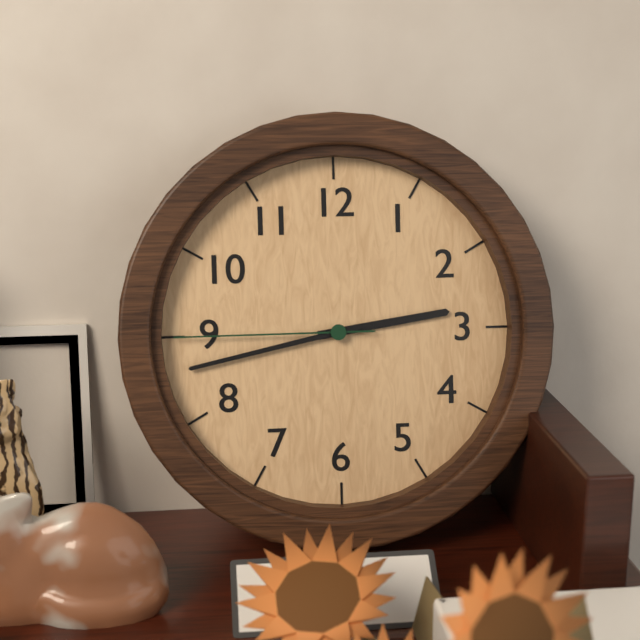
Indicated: 2 h 43 min 45 s
